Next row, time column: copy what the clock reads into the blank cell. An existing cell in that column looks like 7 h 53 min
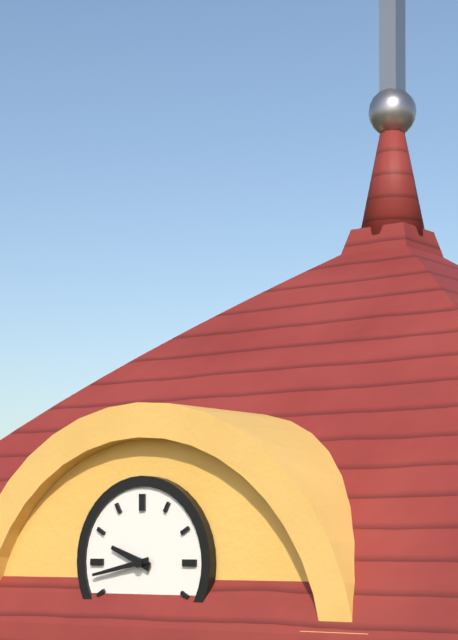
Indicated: 9 h 43 min
